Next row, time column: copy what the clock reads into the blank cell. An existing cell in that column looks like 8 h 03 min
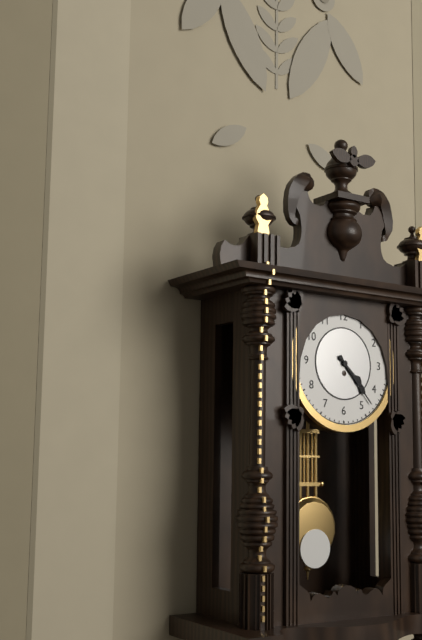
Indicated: 4 h 23 min
